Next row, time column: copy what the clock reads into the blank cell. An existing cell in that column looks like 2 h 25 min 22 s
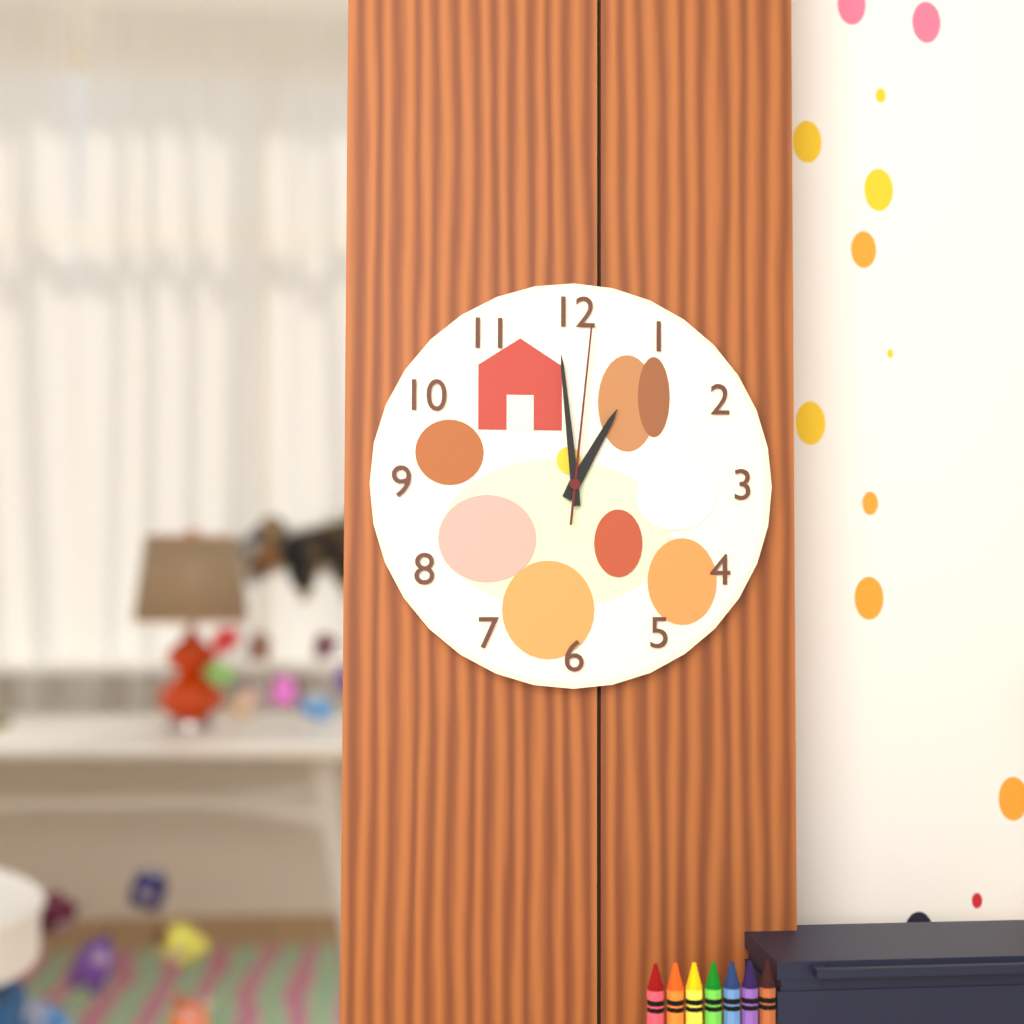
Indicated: 12 h 59 min 01 s
